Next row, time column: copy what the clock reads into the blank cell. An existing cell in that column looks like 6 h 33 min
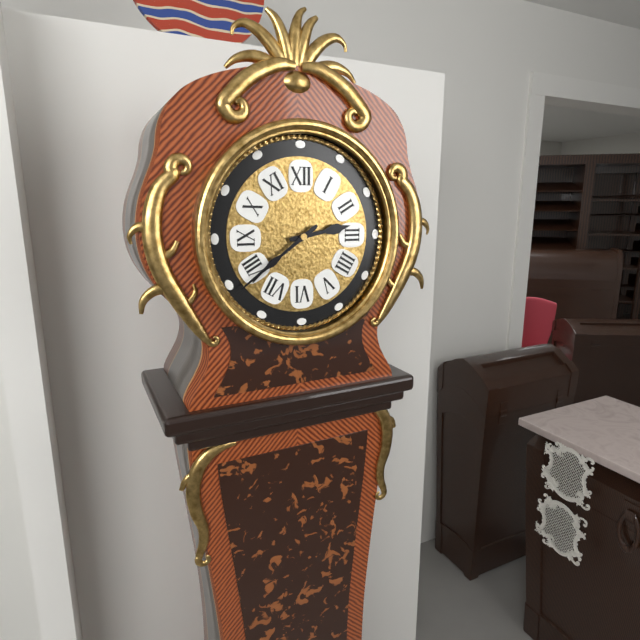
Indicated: 2 h 39 min
